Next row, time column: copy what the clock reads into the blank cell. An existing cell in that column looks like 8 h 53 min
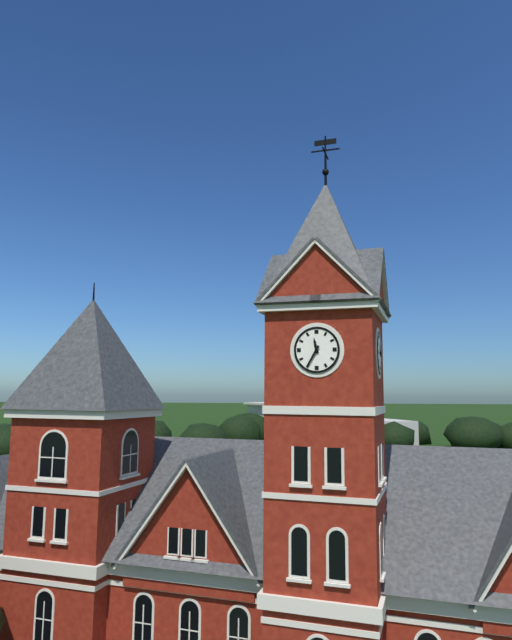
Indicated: 11 h 35 min
